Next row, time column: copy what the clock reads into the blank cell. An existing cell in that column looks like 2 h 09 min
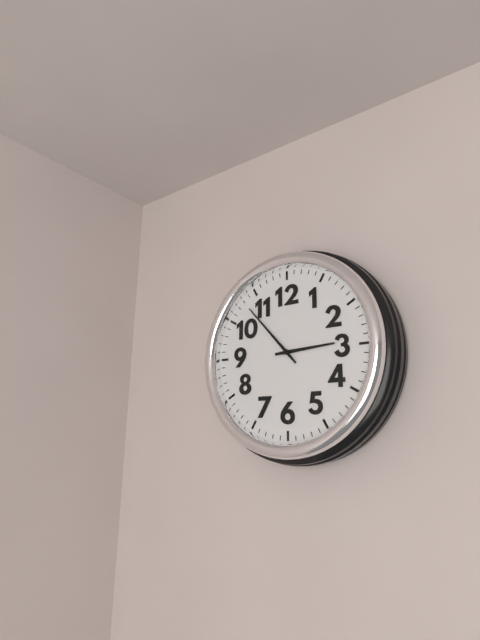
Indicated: 2 h 53 min
